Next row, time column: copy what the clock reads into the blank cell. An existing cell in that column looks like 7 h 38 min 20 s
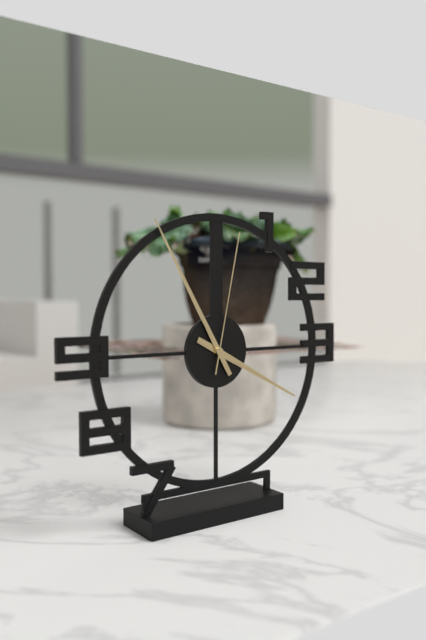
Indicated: 3 h 55 min 02 s
